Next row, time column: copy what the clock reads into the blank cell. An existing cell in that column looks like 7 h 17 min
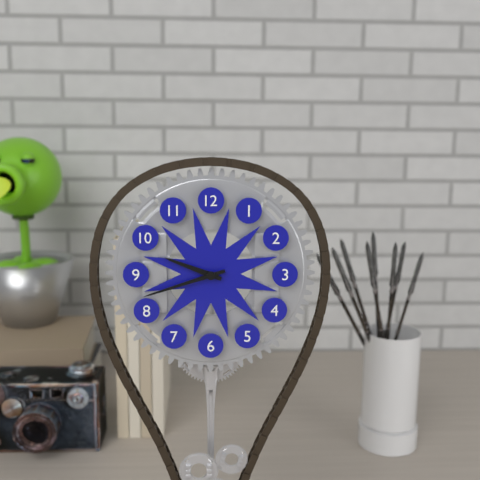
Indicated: 9 h 42 min
